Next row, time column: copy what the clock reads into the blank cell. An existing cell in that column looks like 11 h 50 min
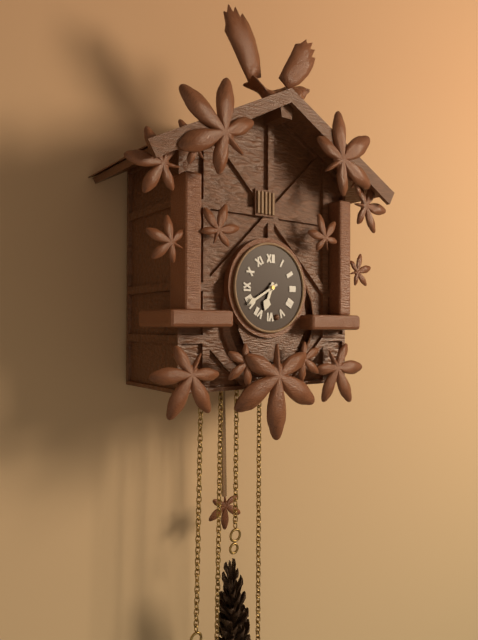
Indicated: 6 h 40 min
